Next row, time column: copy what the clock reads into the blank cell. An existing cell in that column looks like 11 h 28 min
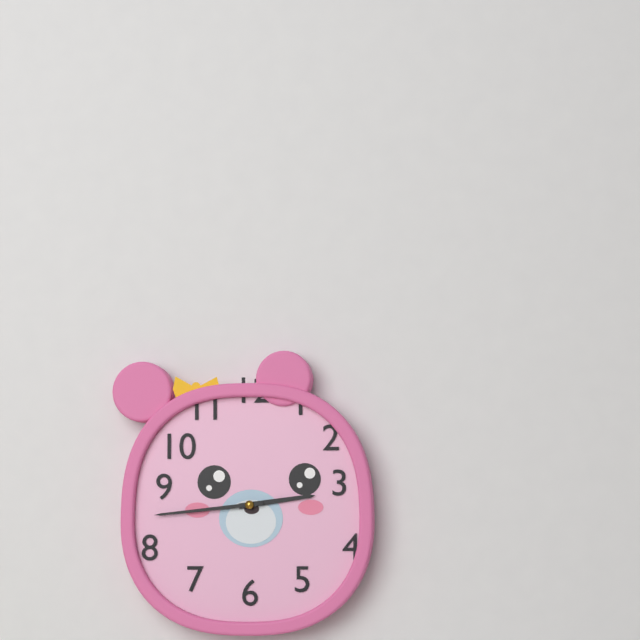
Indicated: 2 h 44 min
